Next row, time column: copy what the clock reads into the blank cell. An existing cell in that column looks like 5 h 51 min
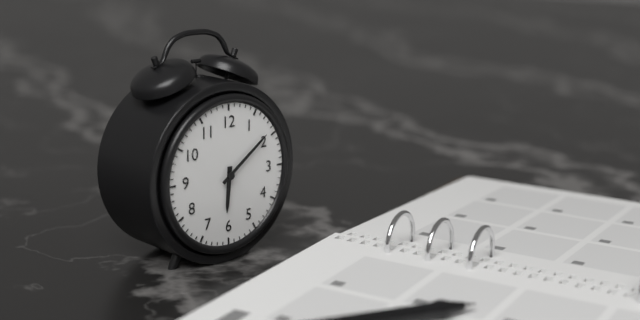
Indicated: 6 h 09 min
